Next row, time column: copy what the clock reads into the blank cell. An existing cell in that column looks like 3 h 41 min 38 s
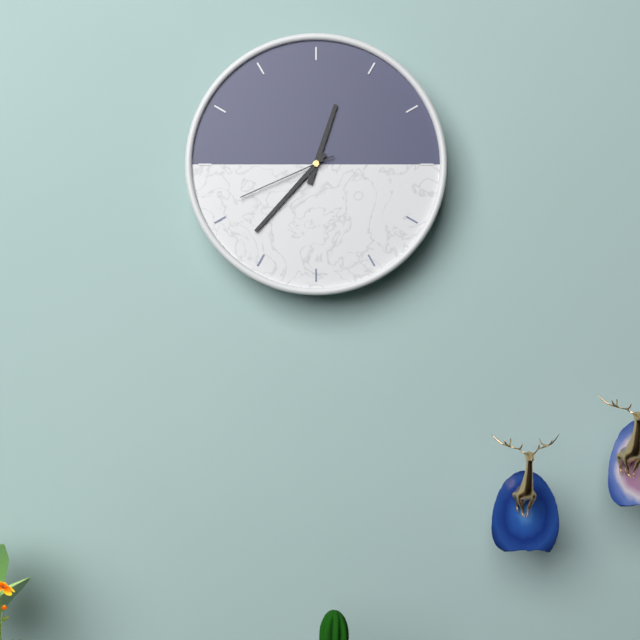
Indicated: 12 h 37 min 41 s
